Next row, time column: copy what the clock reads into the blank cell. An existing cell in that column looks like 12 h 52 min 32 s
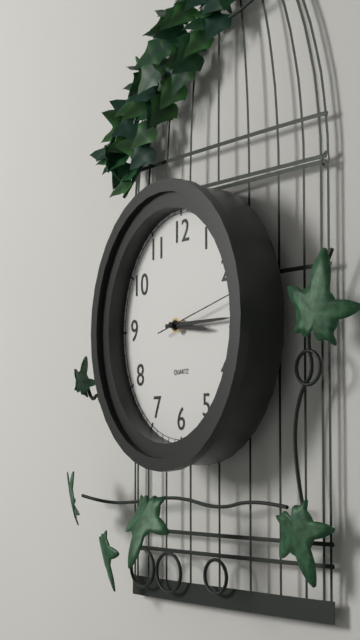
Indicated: 3 h 15 min 13 s
